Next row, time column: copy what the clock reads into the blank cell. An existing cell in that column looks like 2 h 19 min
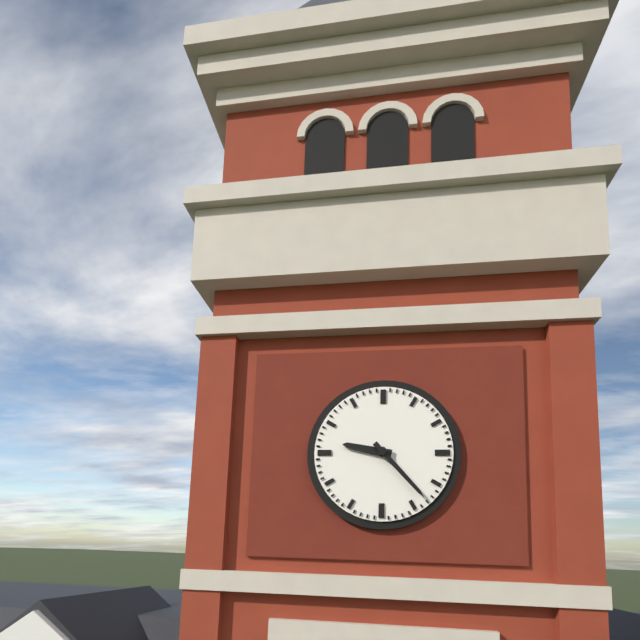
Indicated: 9 h 23 min
